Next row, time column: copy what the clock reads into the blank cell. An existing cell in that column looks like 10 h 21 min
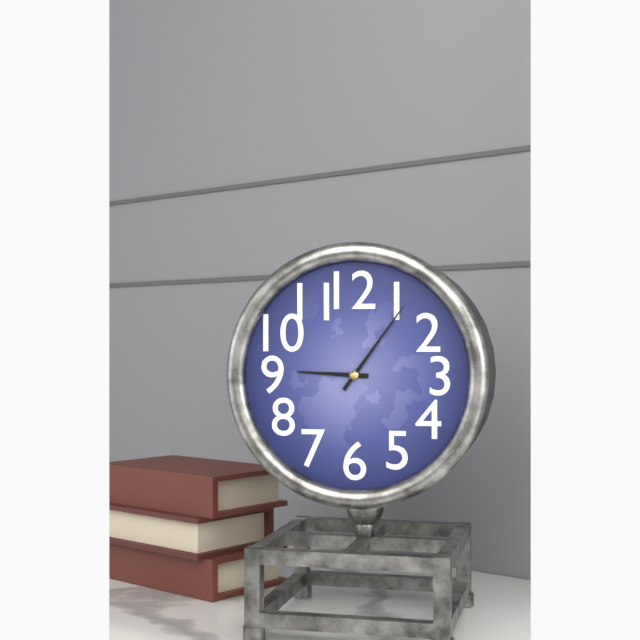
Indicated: 9 h 06 min
